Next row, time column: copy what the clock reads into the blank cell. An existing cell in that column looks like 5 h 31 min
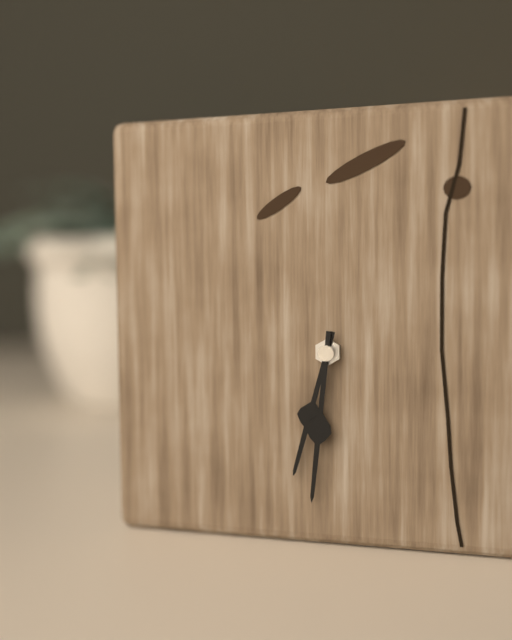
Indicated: 6 h 31 min
